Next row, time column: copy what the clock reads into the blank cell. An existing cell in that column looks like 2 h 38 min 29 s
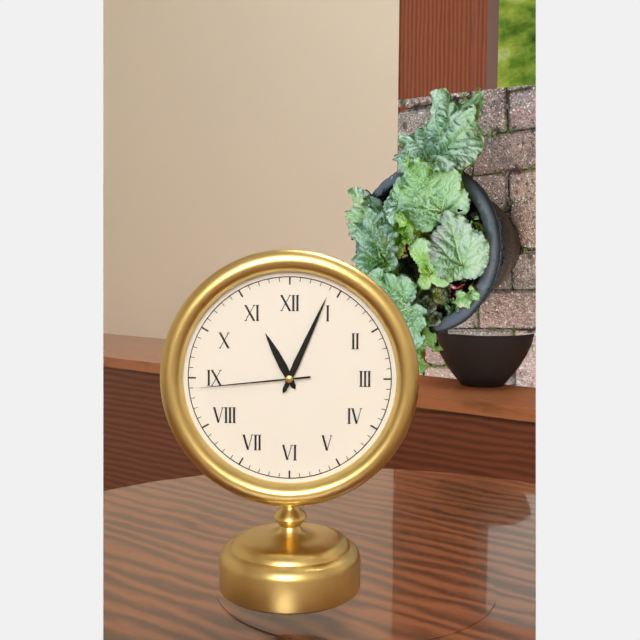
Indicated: 11 h 04 min 44 s
